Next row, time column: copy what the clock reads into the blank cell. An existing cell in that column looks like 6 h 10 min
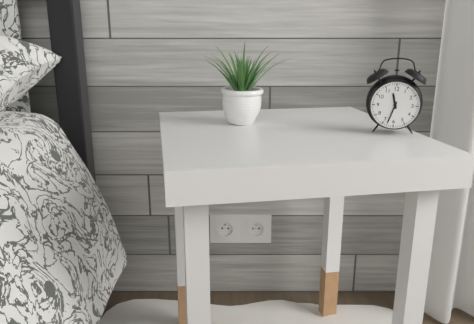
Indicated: 11 h 33 min
